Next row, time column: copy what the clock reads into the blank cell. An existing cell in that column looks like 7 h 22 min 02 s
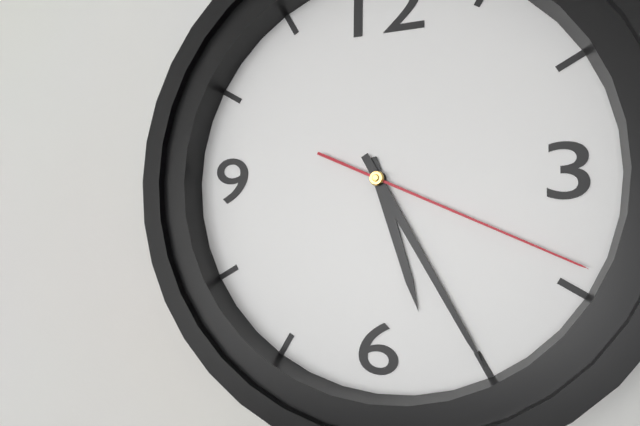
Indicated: 5 h 25 min 19 s
